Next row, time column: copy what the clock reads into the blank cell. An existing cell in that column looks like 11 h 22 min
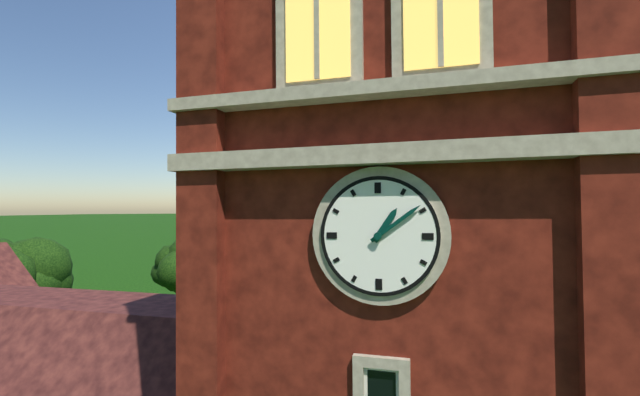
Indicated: 1 h 09 min
